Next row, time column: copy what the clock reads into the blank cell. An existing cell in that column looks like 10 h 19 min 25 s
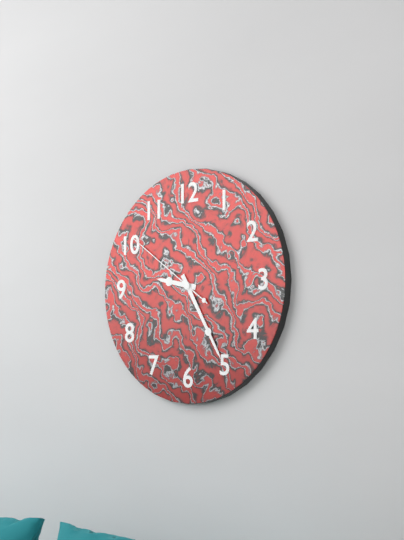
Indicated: 9 h 25 min 51 s
